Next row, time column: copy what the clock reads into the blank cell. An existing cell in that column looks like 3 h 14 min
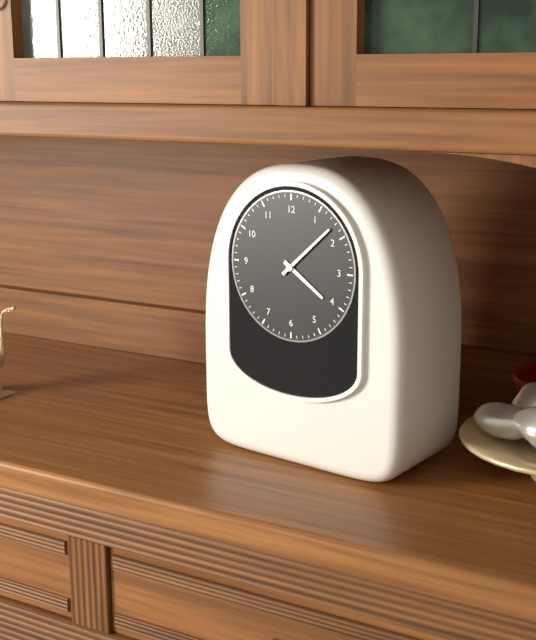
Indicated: 4 h 08 min
